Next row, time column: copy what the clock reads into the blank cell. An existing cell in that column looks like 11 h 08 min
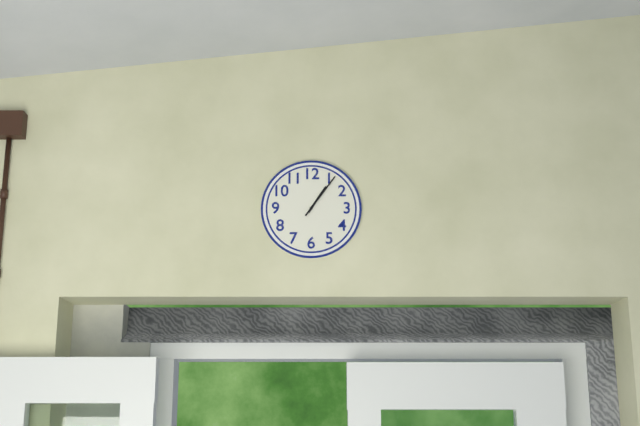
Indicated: 1 h 06 min
